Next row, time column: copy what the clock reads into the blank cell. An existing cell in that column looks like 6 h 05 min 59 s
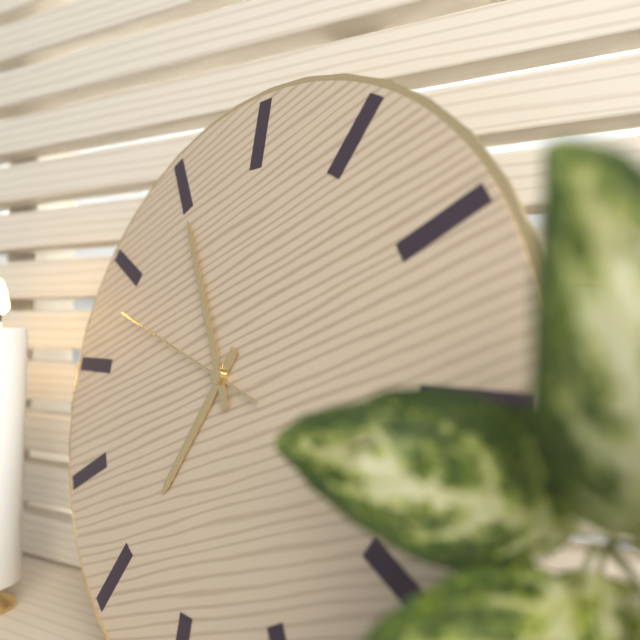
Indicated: 6 h 55 min 48 s
